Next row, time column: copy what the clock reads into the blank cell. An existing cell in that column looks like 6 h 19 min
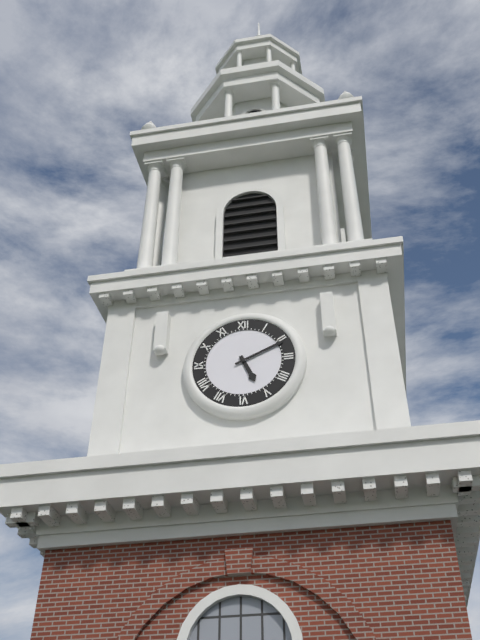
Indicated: 5 h 11 min
